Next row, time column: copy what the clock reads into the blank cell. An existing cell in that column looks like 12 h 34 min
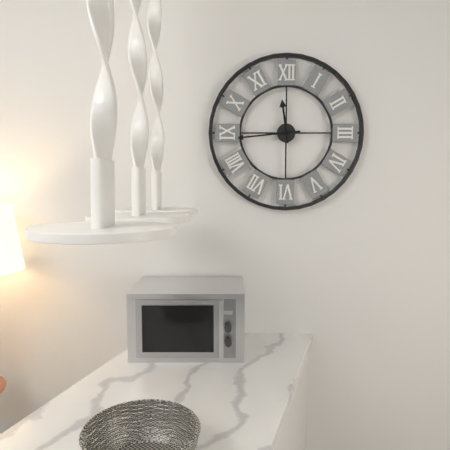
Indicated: 11 h 44 min
